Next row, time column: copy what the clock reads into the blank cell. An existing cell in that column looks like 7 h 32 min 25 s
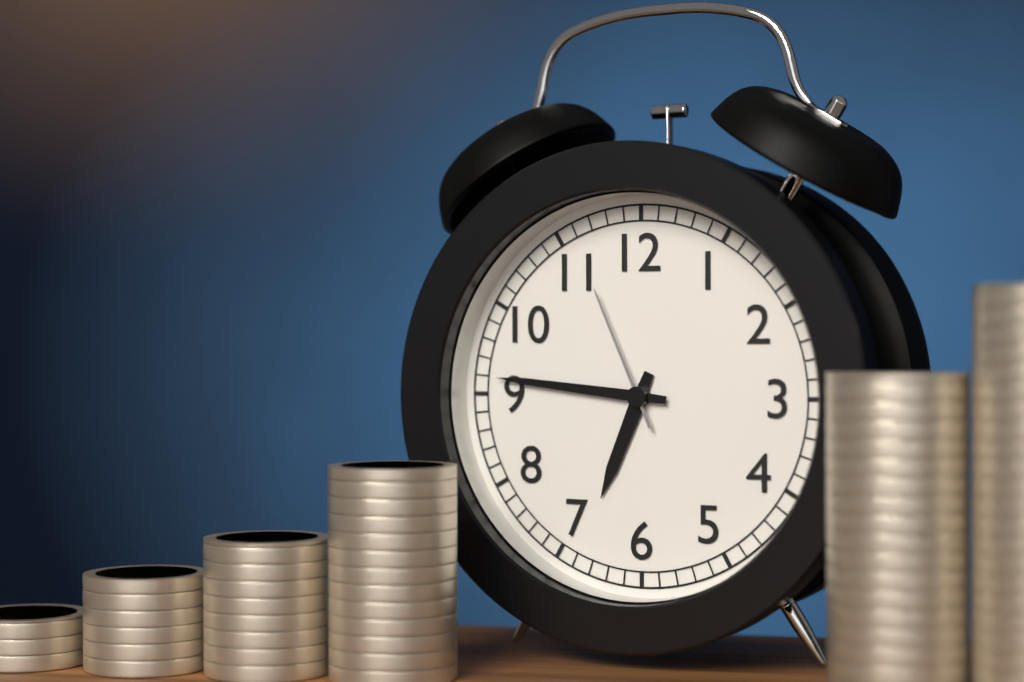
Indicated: 6 h 46 min 56 s
